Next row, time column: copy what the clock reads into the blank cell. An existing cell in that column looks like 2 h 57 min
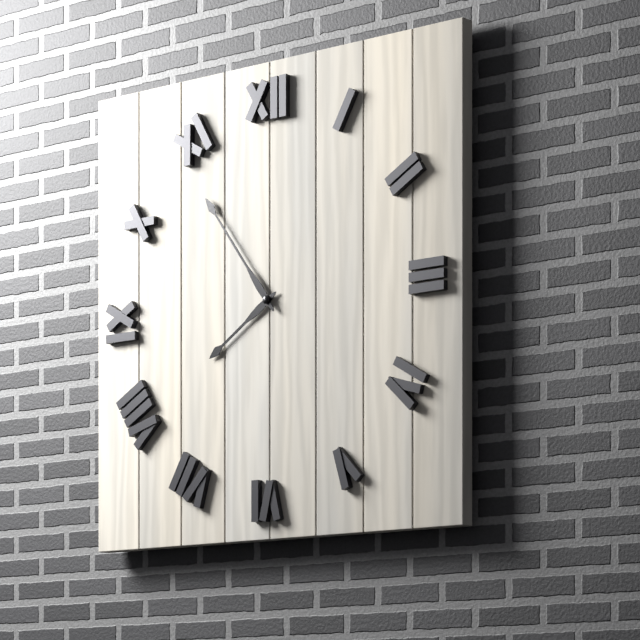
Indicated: 7 h 54 min
